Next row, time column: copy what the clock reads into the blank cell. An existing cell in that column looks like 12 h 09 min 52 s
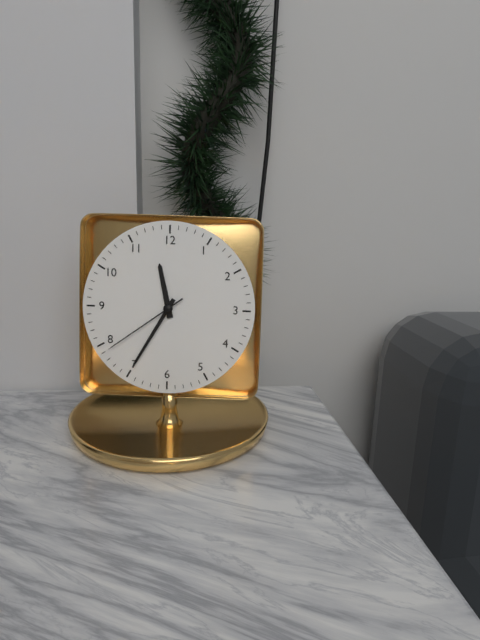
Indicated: 11 h 35 min 39 s
